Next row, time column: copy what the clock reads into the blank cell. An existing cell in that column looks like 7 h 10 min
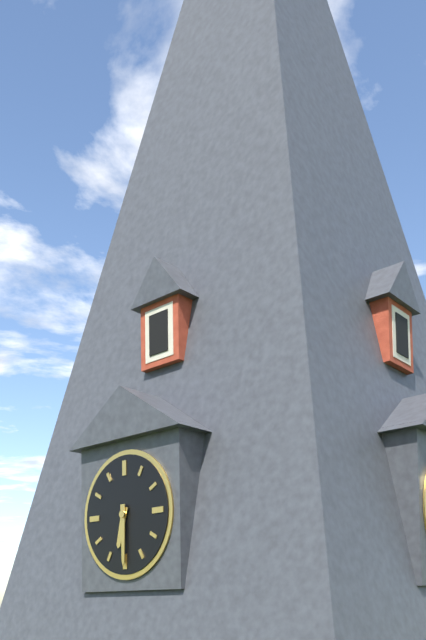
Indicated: 6 h 30 min
